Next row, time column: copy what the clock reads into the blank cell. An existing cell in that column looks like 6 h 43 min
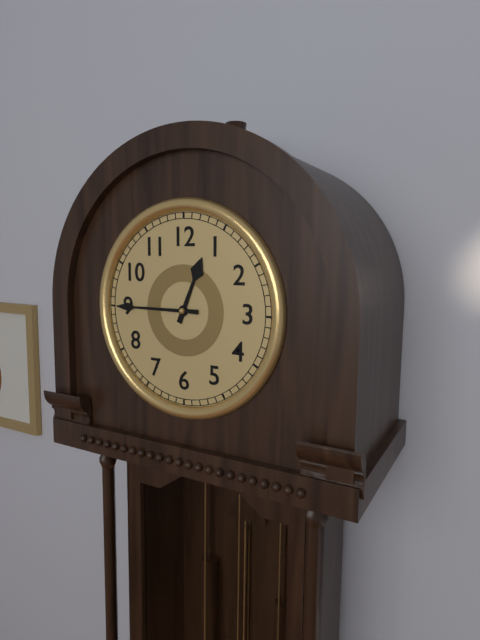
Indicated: 12 h 45 min
